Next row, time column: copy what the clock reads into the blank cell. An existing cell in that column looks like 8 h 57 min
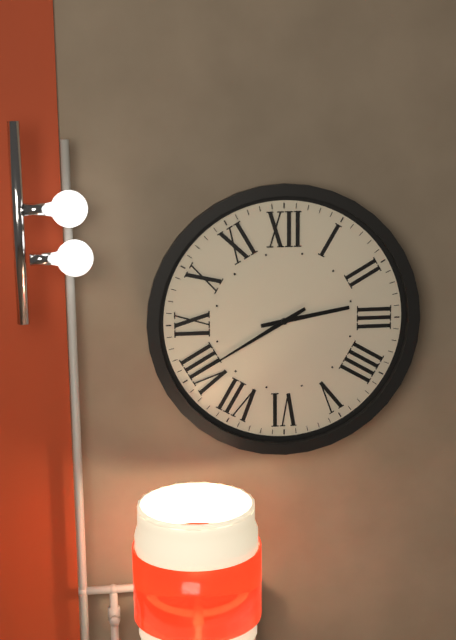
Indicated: 2 h 40 min
